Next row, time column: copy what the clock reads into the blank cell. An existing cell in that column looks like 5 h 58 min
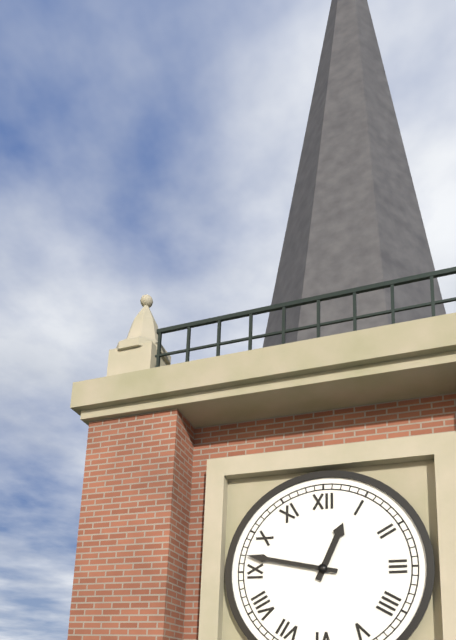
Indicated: 12 h 47 min
